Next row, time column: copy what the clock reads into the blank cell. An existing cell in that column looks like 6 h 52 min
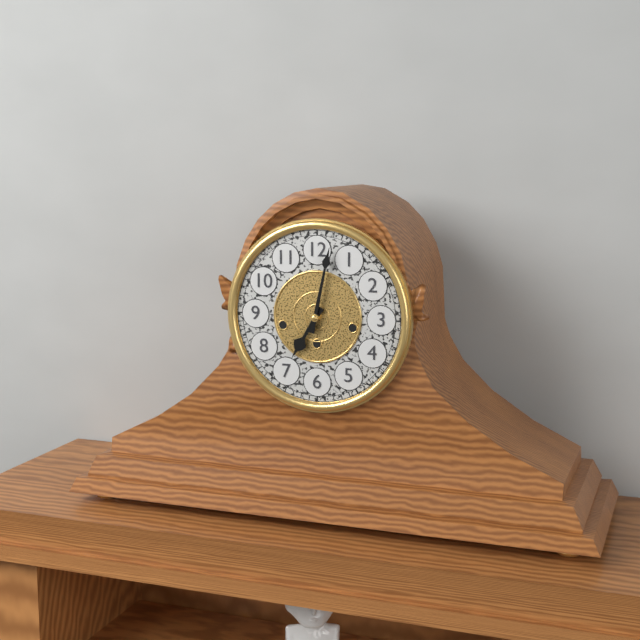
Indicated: 7 h 02 min
